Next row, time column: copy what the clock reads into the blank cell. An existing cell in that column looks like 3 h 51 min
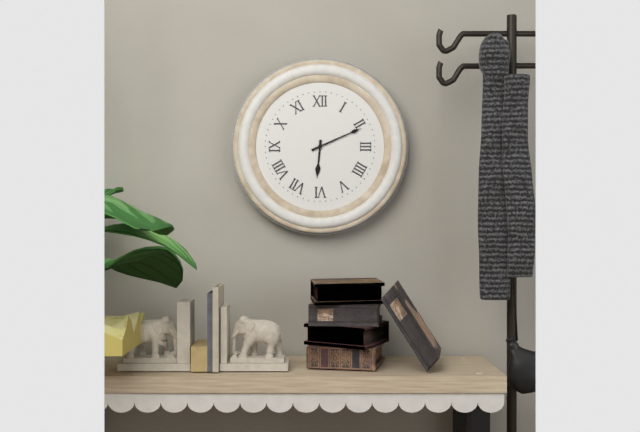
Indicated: 6 h 11 min
